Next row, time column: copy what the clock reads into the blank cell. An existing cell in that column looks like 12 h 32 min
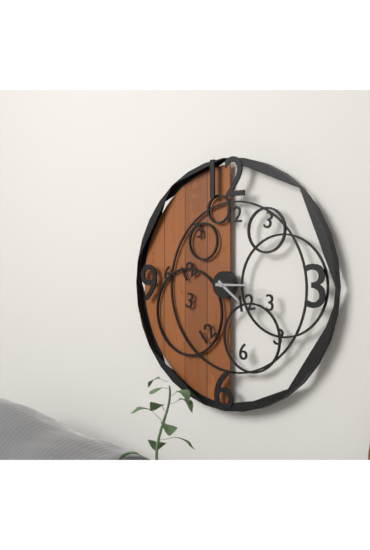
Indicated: 4 h 15 min
